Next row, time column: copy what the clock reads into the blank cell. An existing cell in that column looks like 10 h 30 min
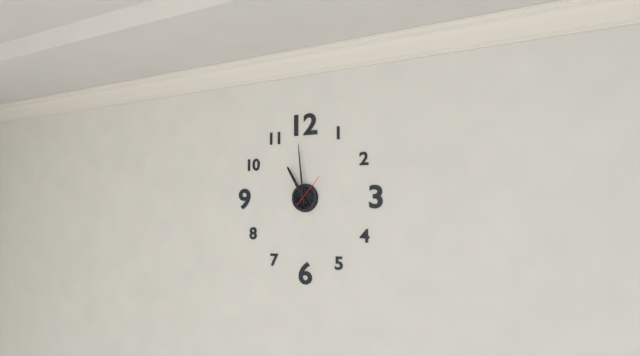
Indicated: 10 h 59 min
